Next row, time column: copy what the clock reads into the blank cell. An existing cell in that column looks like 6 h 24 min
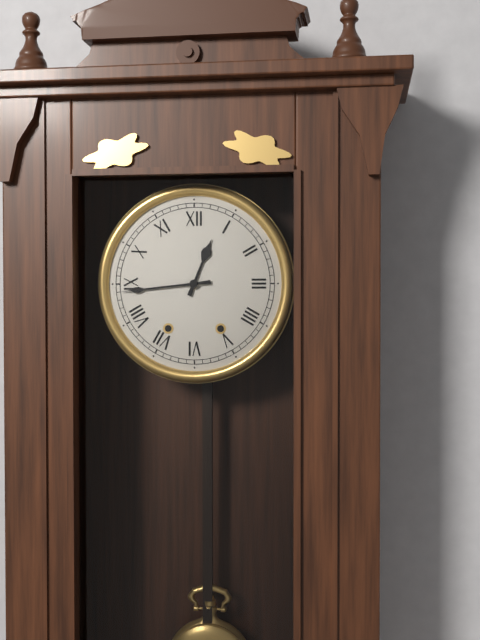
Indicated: 12 h 44 min
